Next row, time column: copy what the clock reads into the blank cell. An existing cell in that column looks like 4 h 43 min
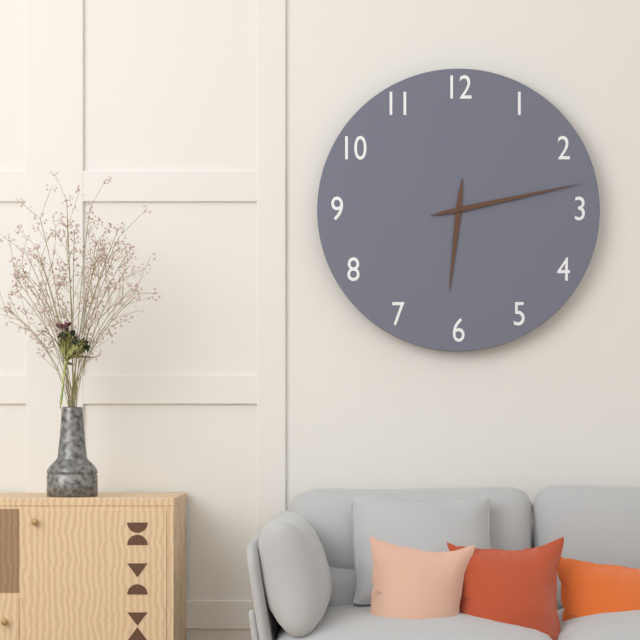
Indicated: 6 h 13 min
